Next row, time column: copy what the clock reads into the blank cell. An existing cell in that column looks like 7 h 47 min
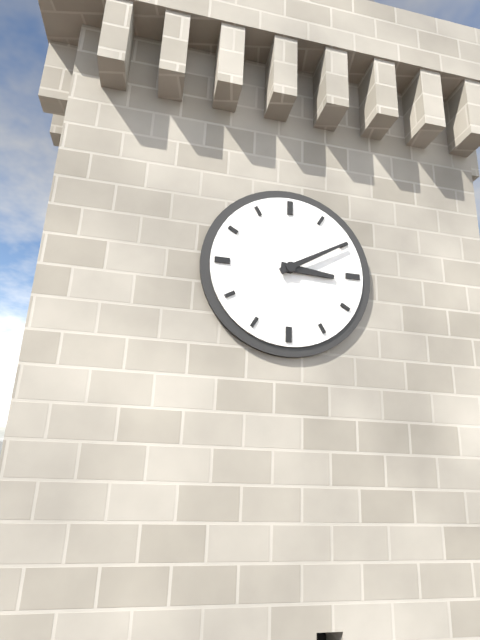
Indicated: 3 h 10 min
